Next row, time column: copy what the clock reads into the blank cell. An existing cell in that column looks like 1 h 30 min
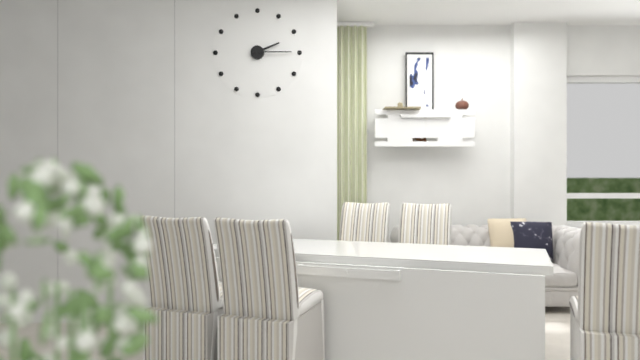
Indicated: 2 h 15 min
